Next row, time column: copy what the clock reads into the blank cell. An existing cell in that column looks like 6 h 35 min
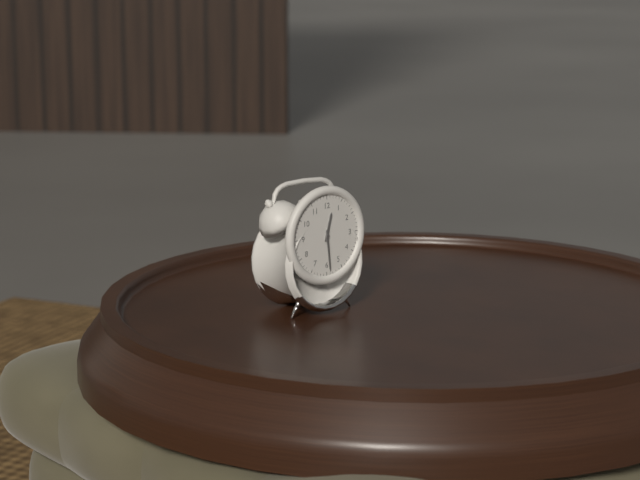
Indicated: 12 h 29 min
